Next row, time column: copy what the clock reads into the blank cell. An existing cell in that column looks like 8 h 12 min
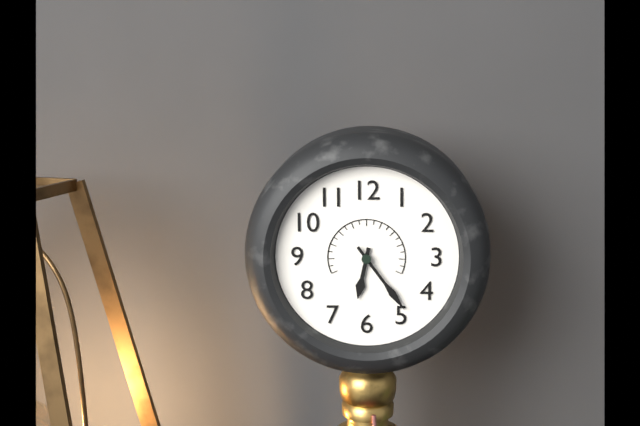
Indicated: 6 h 24 min
